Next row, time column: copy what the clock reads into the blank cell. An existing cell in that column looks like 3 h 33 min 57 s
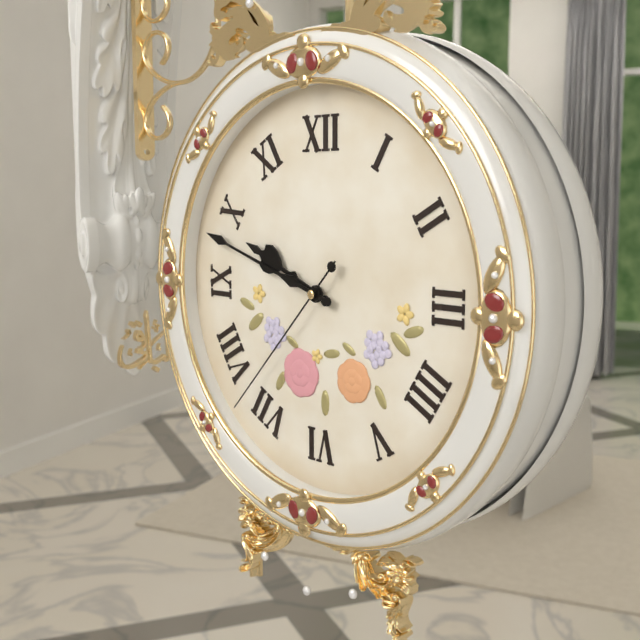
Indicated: 9 h 48 min 37 s
